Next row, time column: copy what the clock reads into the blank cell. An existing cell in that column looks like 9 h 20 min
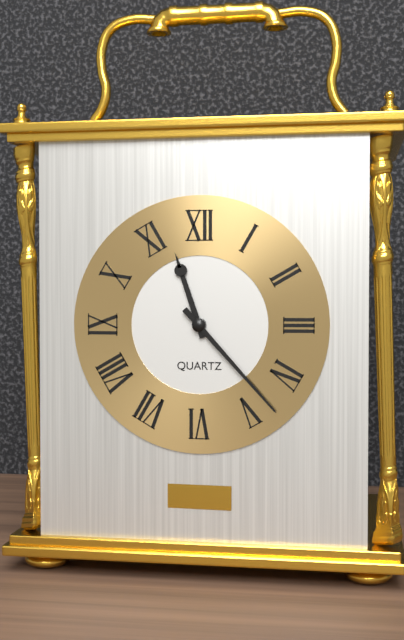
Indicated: 11 h 23 min
